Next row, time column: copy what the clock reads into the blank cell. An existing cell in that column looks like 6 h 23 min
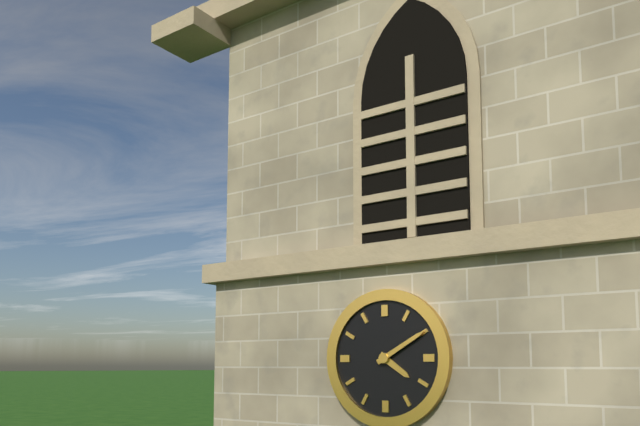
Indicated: 4 h 10 min
